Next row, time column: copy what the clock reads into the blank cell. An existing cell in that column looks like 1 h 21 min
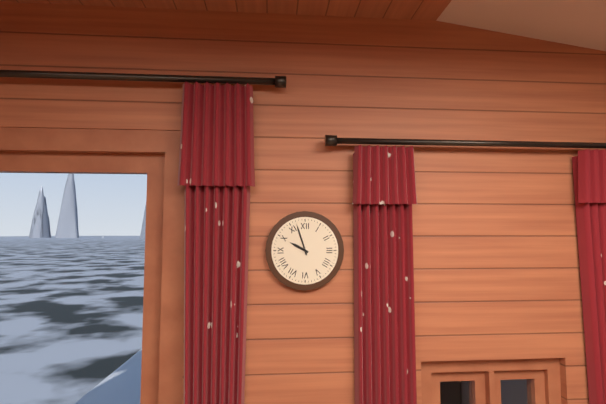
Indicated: 9 h 57 min
